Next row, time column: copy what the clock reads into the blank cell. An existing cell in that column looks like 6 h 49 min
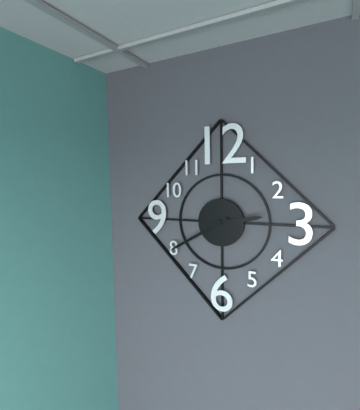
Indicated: 2 h 40 min
